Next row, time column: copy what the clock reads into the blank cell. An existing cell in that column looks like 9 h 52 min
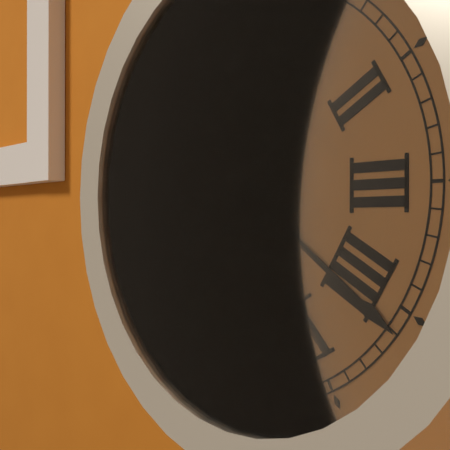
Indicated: 10 h 21 min
